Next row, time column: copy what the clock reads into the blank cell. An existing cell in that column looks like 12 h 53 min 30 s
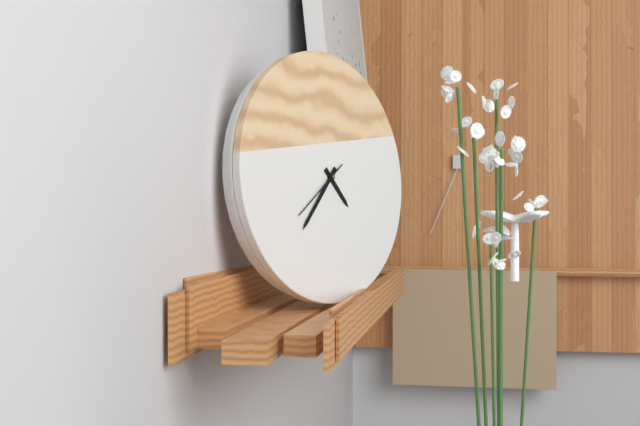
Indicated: 4 h 37 min 39 s
